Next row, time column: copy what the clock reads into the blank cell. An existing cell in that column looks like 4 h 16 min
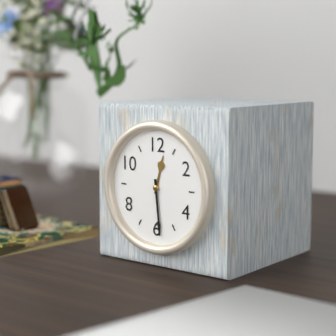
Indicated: 12 h 29 min
